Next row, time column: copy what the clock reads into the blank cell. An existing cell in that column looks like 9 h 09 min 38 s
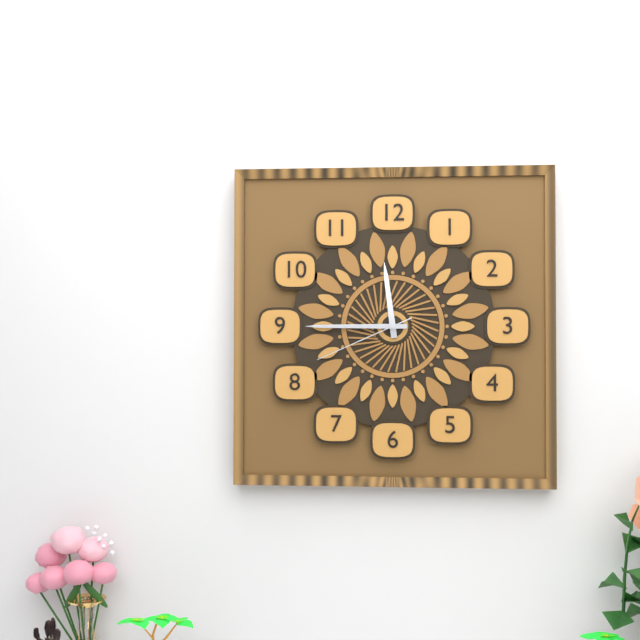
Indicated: 11 h 45 min 41 s
